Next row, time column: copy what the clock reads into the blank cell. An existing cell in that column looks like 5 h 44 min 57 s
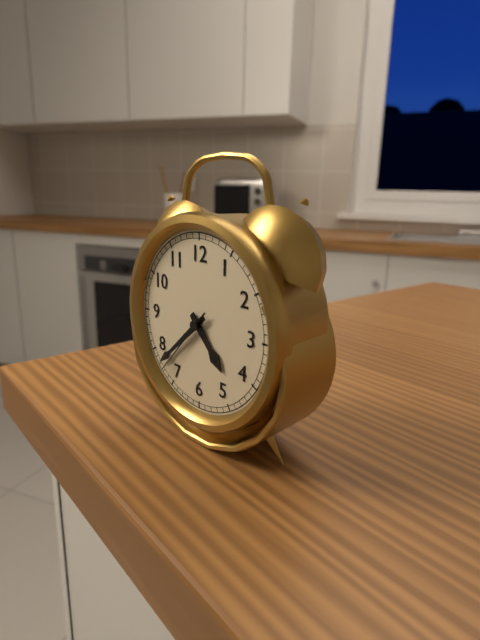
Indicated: 4 h 38 min 37 s
